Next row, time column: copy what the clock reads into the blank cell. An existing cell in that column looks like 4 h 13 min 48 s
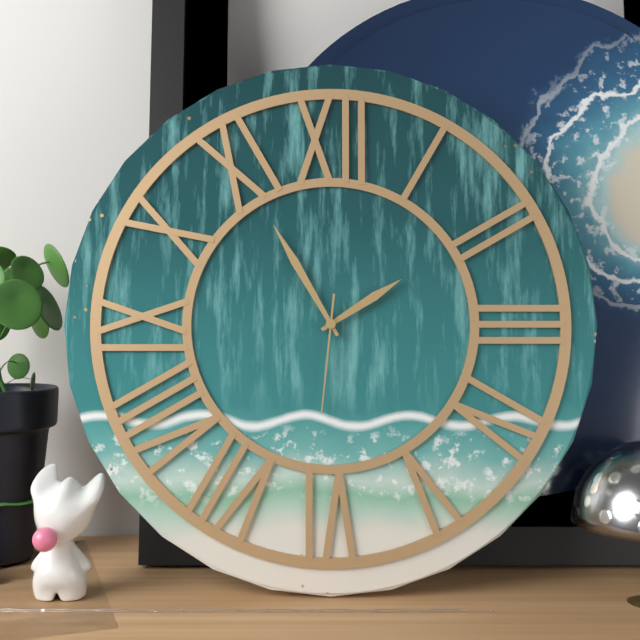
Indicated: 1 h 55 min 31 s
